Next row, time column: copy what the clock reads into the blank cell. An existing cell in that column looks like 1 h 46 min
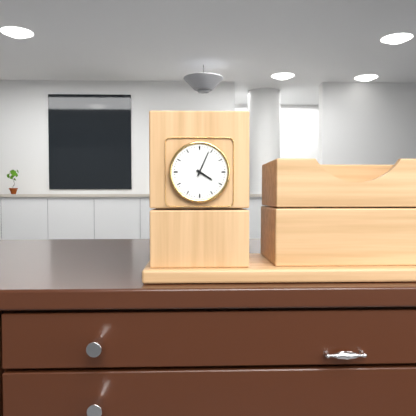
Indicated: 4 h 04 min
